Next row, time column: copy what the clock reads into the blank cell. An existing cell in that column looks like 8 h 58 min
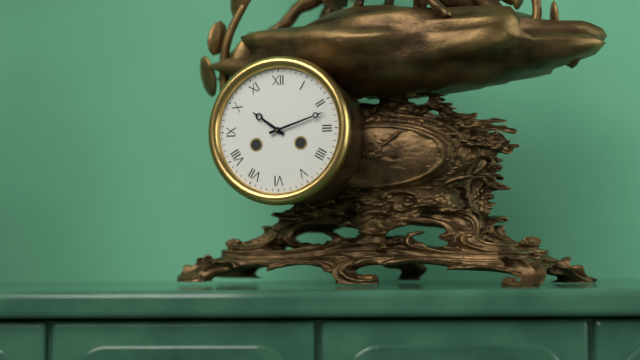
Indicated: 10 h 12 min
